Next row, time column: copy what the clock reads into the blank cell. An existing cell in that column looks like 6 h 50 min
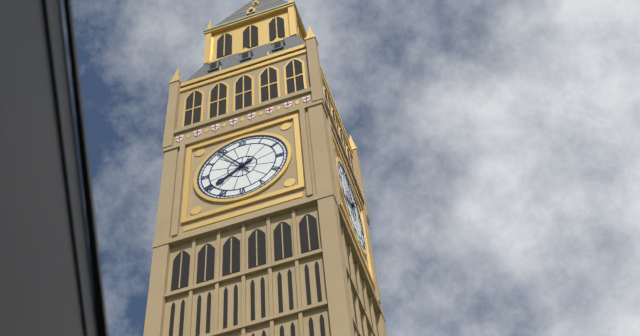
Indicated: 7 h 54 min
